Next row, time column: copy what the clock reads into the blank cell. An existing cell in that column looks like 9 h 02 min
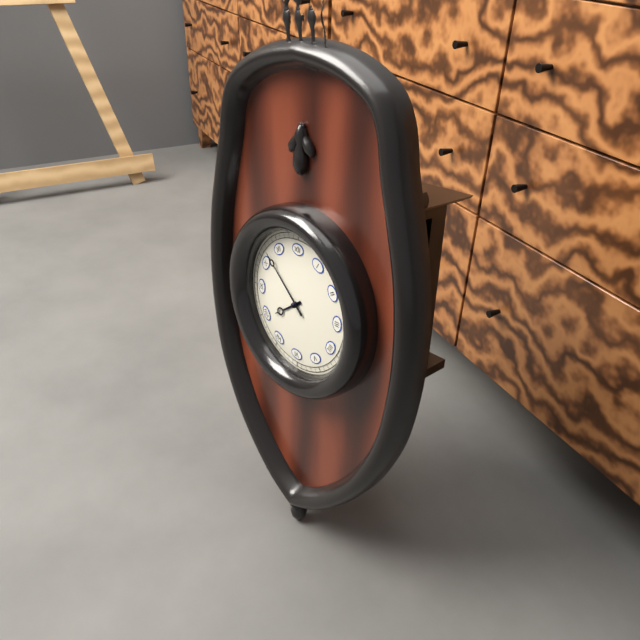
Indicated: 7 h 52 min
